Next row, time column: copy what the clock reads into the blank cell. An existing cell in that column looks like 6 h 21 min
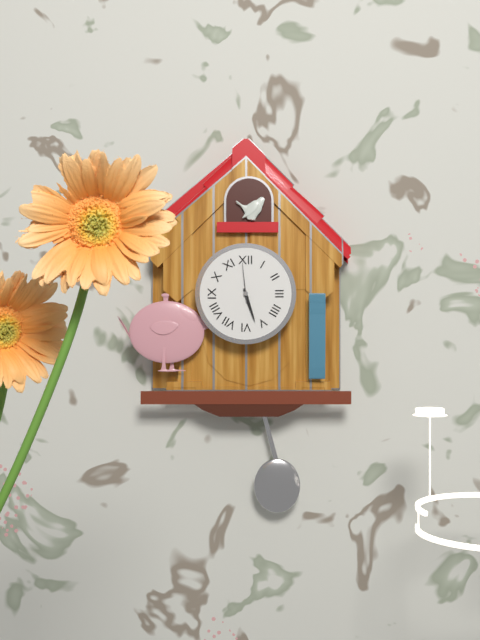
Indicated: 5 h 27 min
